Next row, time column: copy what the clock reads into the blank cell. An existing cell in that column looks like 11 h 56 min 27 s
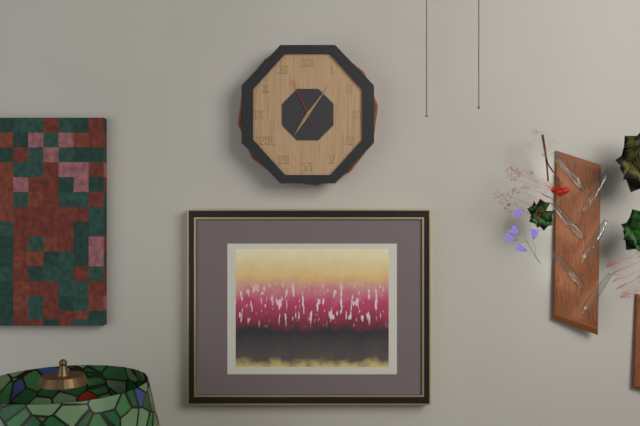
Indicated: 7 h 06 min 56 s
